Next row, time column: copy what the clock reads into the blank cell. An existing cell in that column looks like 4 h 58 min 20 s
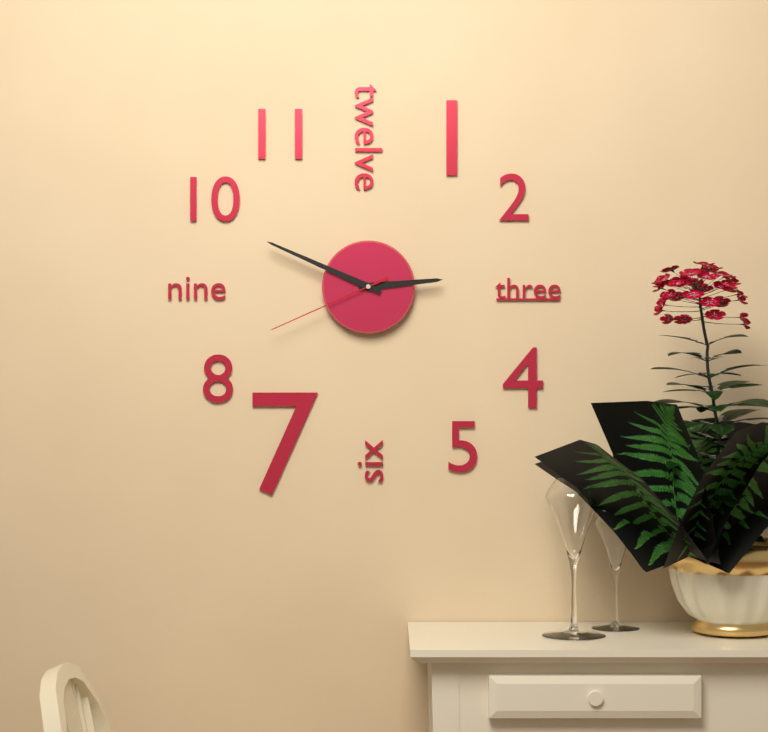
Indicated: 2 h 49 min 41 s
